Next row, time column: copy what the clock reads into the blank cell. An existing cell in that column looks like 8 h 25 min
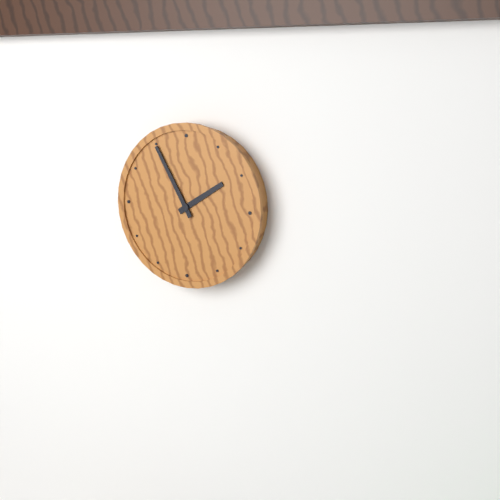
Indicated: 1 h 55 min
